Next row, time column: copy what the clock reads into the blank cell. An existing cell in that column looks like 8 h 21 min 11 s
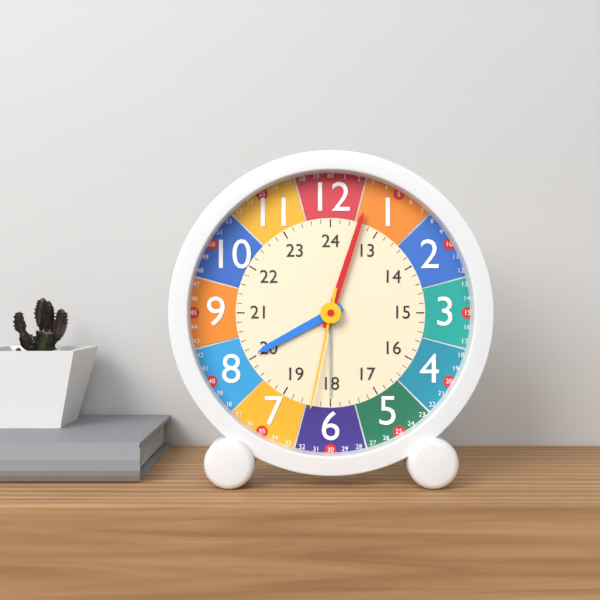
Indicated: 8 h 03 min 32 s
